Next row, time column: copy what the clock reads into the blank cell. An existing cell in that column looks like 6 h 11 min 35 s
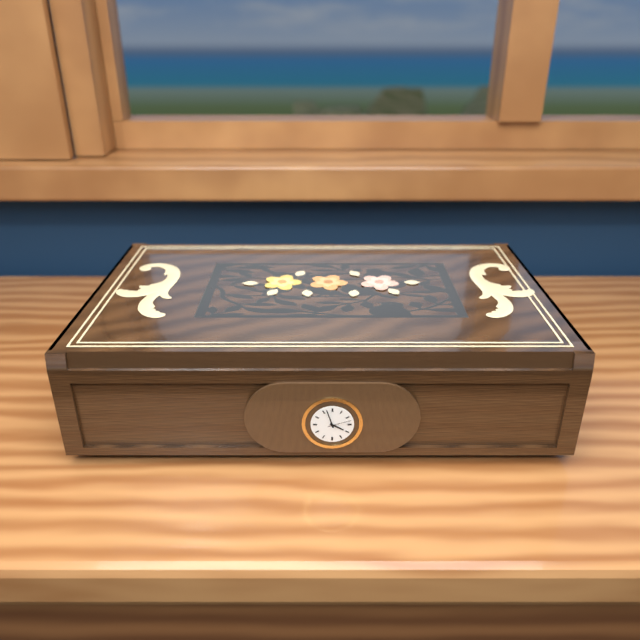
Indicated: 3 h 57 min 12 s
